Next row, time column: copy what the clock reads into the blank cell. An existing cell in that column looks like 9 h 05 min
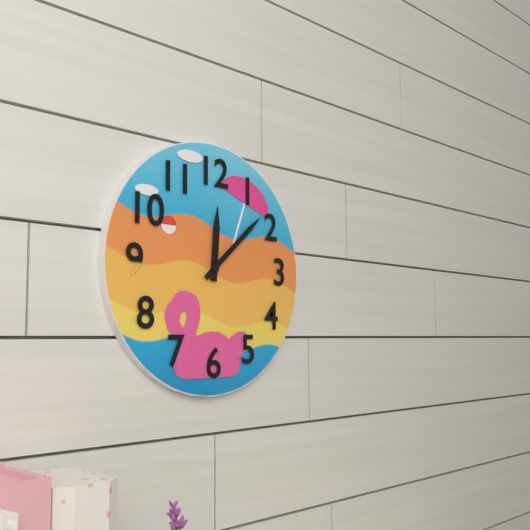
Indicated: 12 h 08 min
